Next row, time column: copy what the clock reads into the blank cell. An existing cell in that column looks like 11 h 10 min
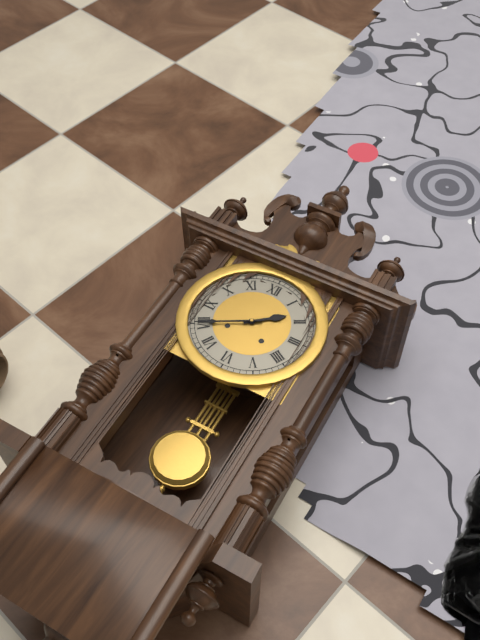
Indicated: 1 h 40 min
